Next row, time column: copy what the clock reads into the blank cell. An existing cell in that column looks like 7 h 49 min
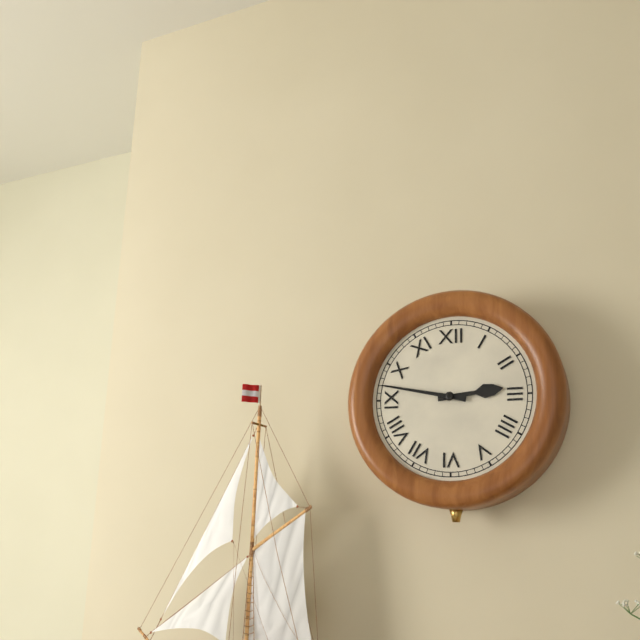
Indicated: 2 h 47 min
